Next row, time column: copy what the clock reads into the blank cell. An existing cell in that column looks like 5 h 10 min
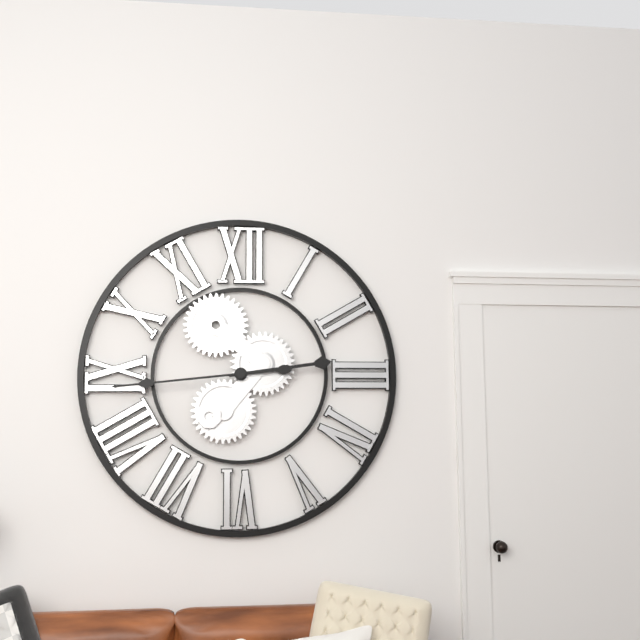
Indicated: 2 h 44 min
